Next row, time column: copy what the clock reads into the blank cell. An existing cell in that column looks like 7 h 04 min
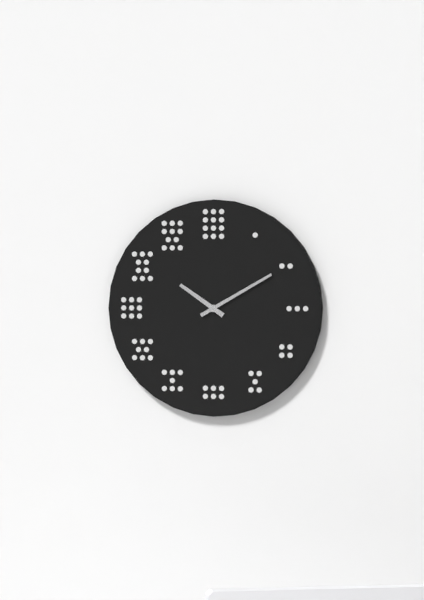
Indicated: 10 h 10 min
